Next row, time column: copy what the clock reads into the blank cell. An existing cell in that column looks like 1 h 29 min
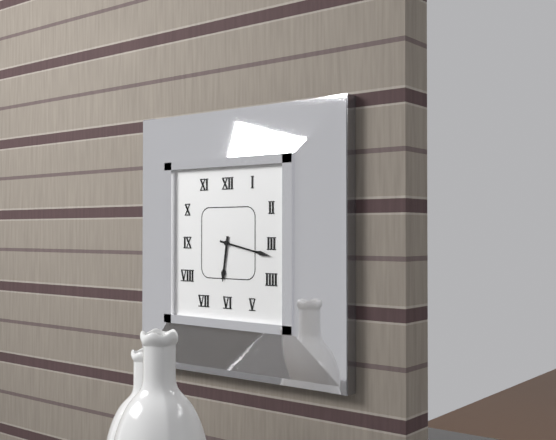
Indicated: 6 h 17 min
